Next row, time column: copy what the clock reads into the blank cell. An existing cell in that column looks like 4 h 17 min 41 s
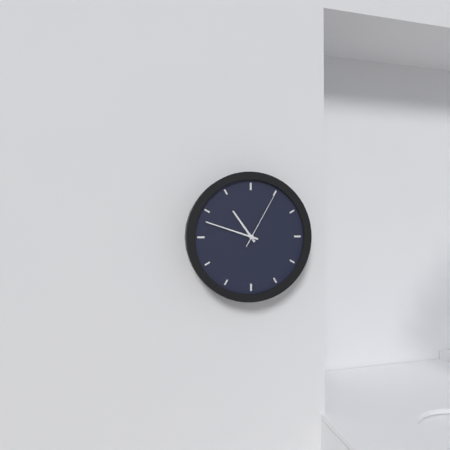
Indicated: 10 h 48 min 05 s
